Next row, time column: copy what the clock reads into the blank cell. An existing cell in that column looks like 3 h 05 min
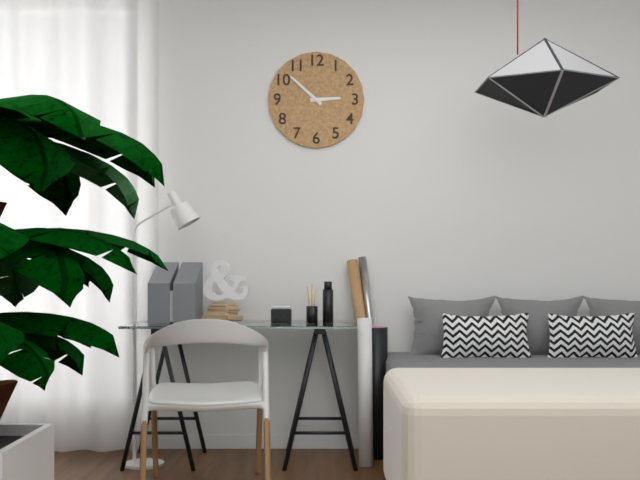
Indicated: 2 h 52 min
